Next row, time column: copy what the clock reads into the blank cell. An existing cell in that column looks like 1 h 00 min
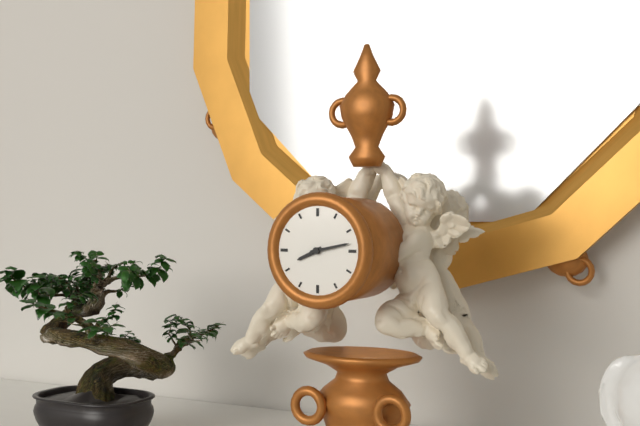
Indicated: 8 h 13 min
